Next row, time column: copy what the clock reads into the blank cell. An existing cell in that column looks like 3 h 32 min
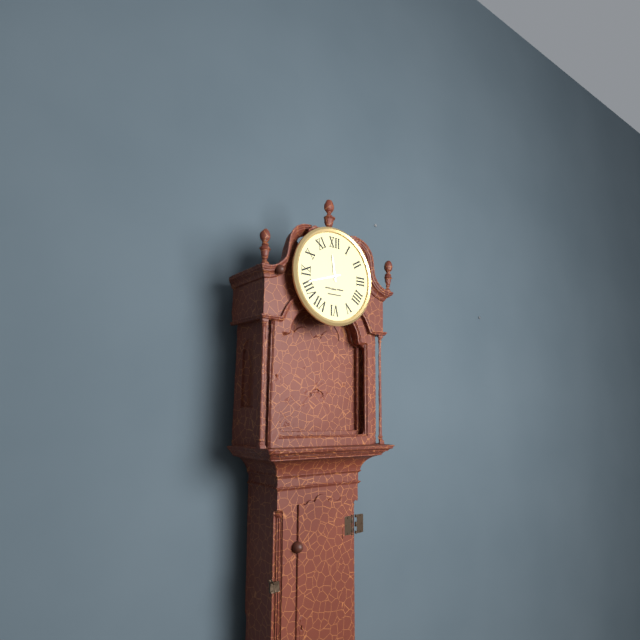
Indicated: 11 h 42 min
